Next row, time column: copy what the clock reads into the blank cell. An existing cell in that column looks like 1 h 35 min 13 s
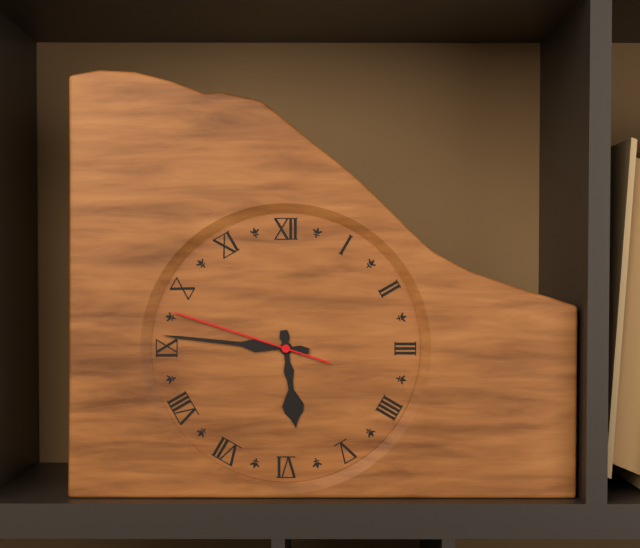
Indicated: 5 h 46 min 48 s
